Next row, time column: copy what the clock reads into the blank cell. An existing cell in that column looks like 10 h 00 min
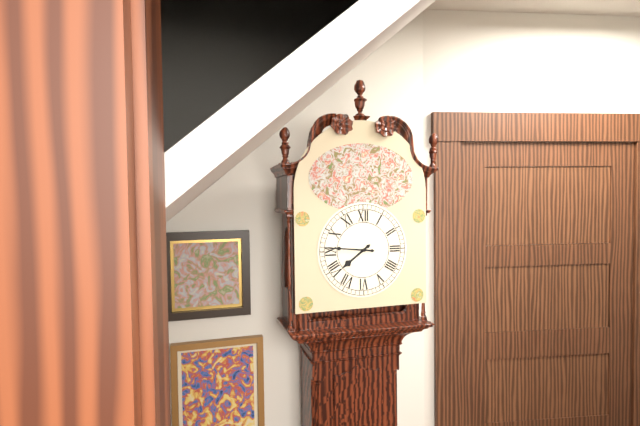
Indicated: 7 h 46 min
